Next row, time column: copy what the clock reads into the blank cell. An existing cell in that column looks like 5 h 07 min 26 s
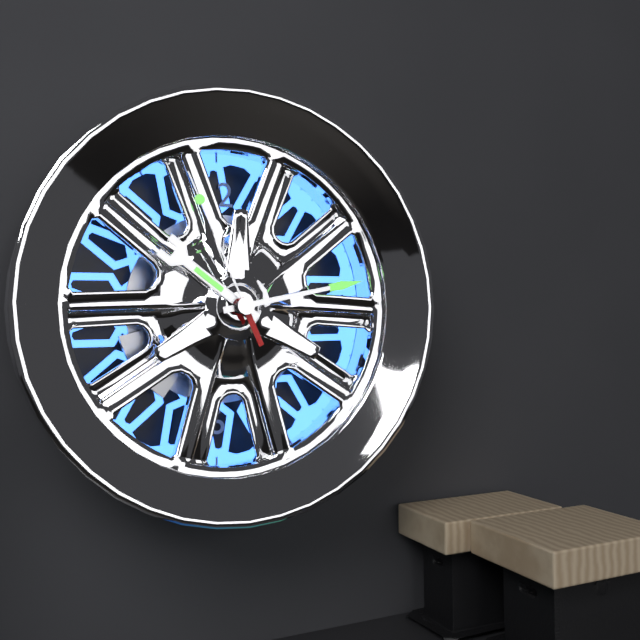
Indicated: 10 h 13 min 56 s
